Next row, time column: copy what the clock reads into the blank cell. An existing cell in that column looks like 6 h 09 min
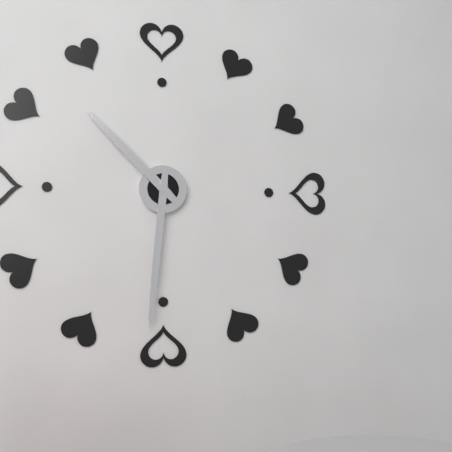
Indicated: 10 h 31 min
